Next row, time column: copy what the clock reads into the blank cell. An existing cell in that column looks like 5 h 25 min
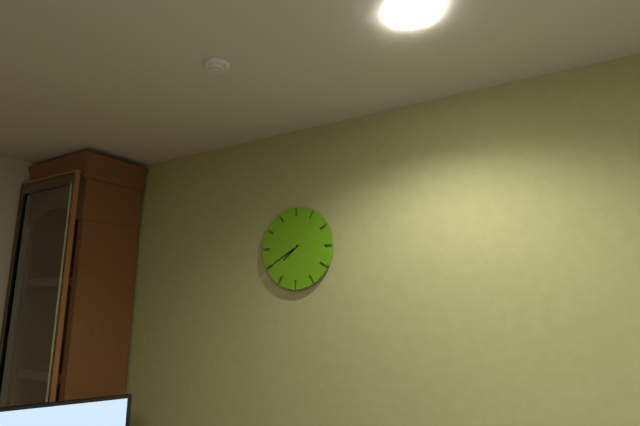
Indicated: 7 h 40 min
